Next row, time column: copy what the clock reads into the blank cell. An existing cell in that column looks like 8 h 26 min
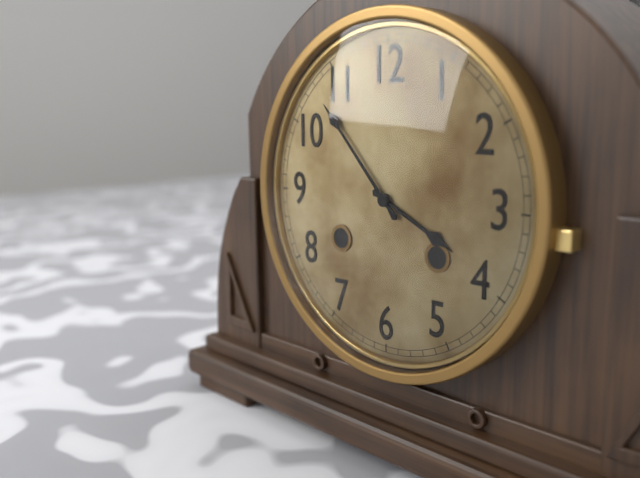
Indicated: 3 h 53 min
